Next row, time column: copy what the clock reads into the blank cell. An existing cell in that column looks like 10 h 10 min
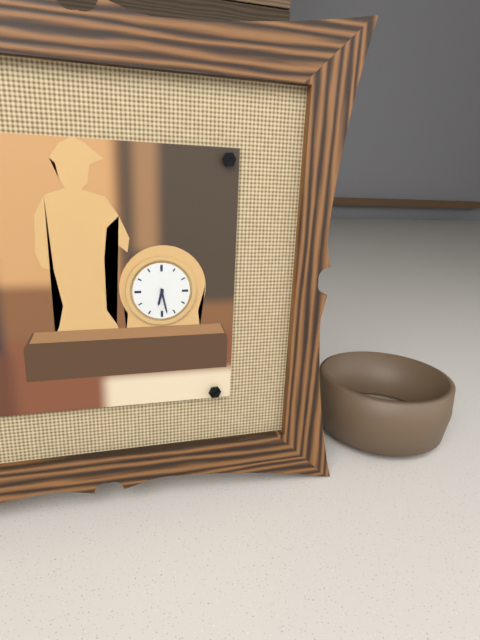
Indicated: 6 h 28 min
